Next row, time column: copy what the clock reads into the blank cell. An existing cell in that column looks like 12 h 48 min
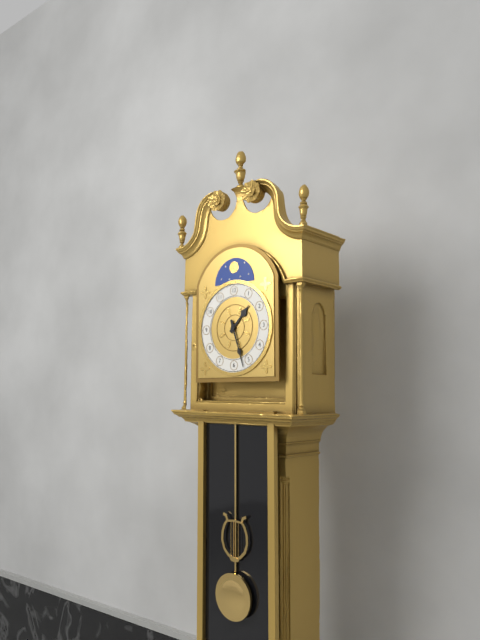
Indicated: 1 h 27 min
